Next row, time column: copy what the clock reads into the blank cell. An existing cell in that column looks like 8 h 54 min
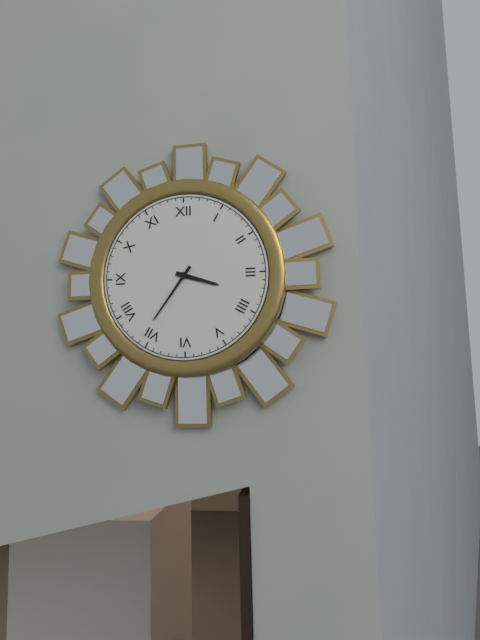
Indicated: 3 h 36 min
